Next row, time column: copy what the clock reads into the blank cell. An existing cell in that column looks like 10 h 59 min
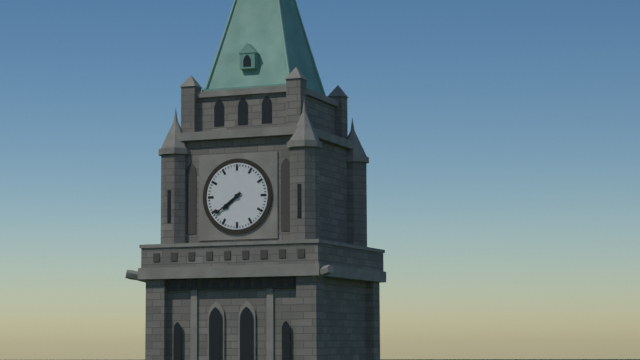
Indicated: 7 h 39 min
